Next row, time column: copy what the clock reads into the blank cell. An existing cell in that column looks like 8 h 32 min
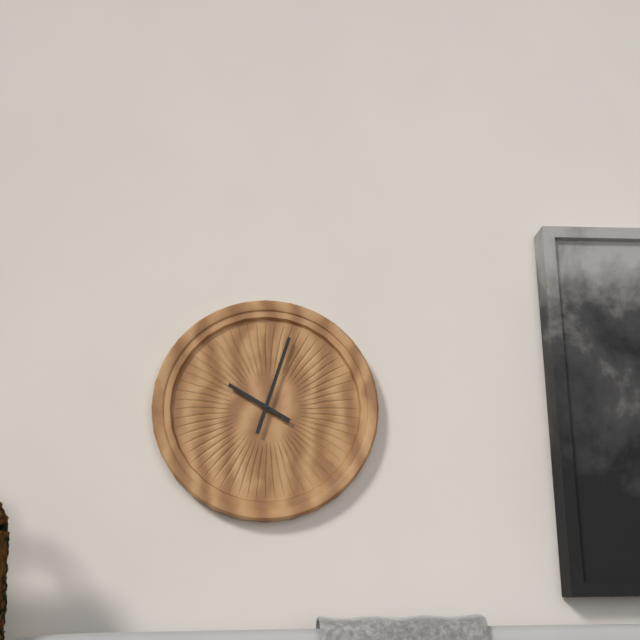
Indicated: 10 h 03 min
